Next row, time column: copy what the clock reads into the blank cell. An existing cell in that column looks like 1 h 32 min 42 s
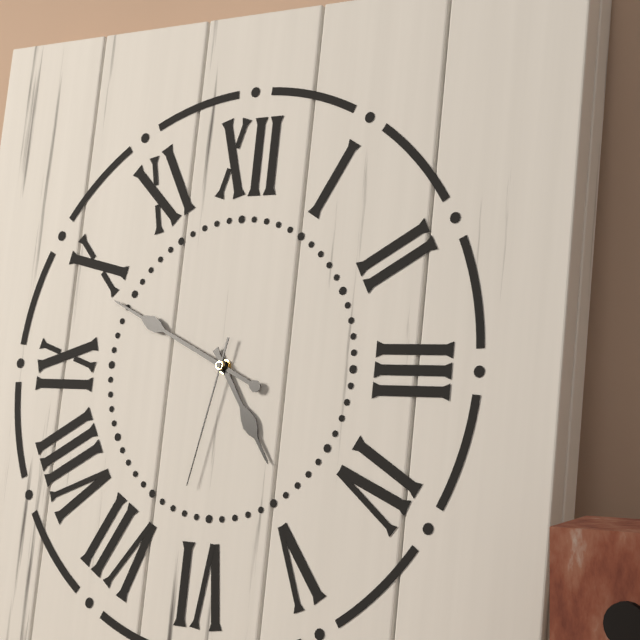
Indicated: 4 h 49 min 32 s
